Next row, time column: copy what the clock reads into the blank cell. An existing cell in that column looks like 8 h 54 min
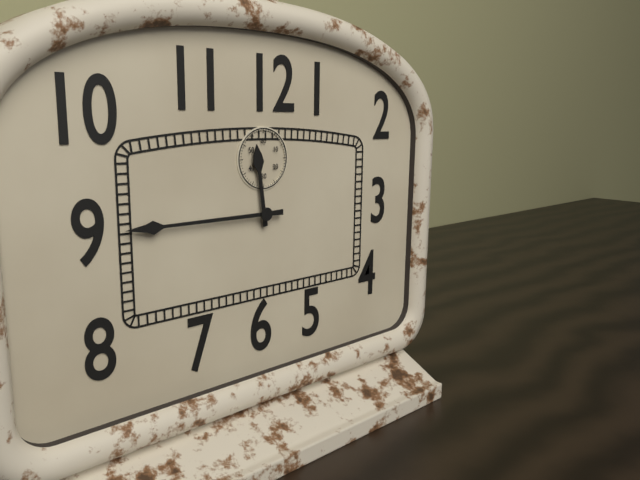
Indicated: 11 h 45 min
